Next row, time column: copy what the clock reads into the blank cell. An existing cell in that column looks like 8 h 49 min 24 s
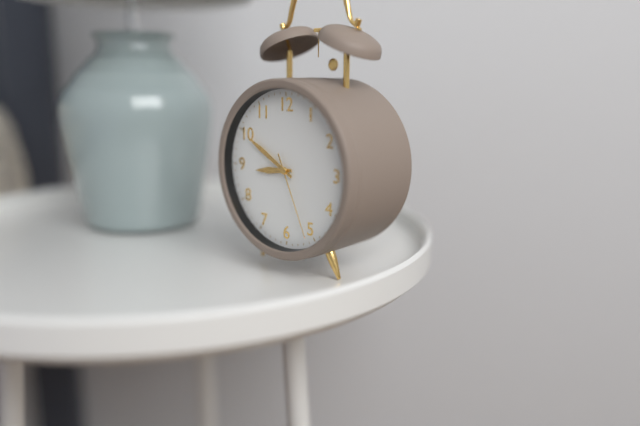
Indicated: 8 h 50 min 26 s
